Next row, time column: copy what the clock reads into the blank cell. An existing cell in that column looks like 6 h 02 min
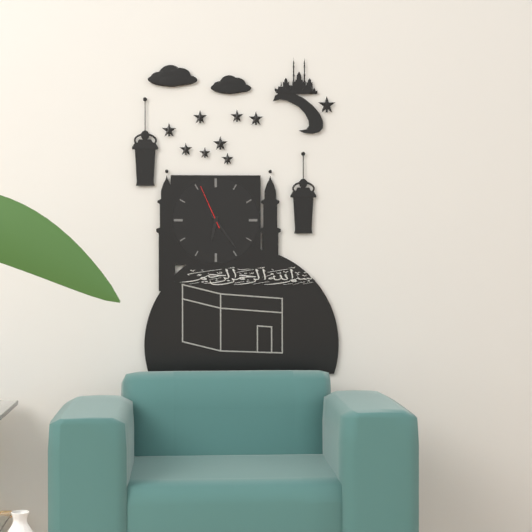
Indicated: 6 h 24 min
